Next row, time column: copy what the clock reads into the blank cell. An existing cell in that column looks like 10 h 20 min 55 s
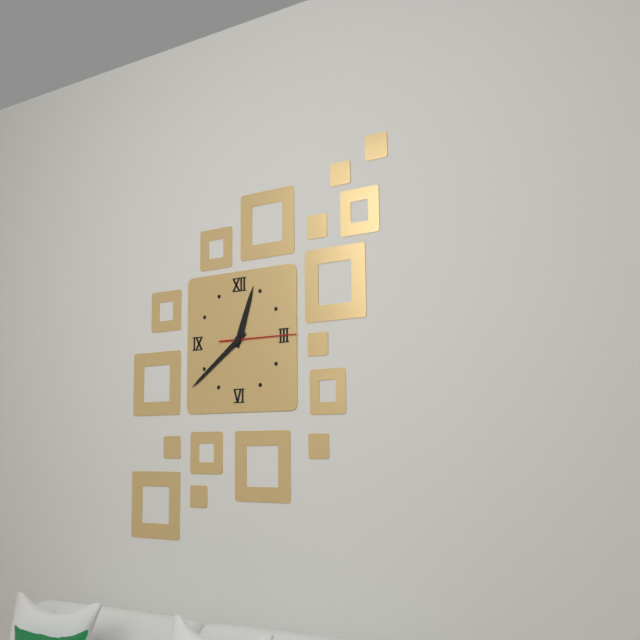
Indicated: 12 h 39 min 15 s
